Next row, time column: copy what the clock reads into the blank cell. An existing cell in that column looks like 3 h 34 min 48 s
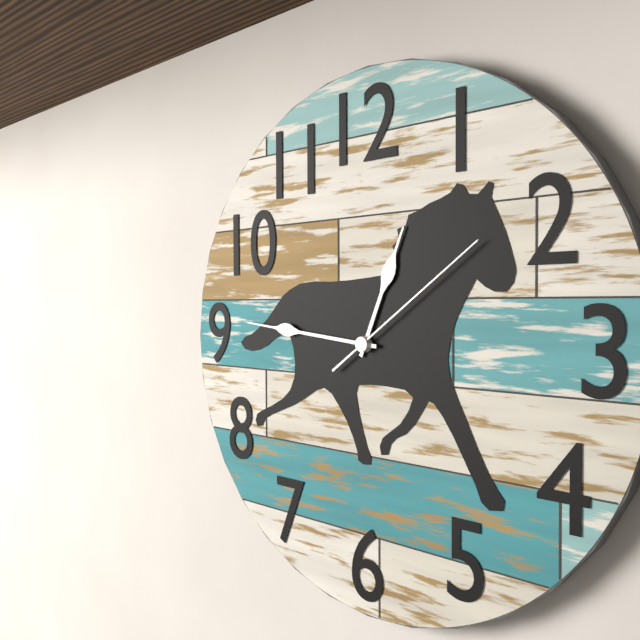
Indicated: 12 h 46 min 09 s
